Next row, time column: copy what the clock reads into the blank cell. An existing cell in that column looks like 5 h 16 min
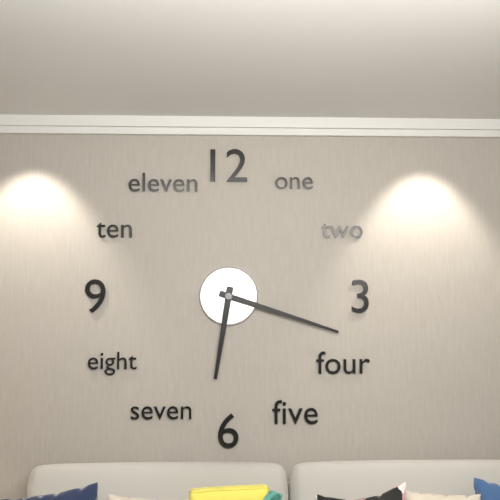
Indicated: 6 h 18 min
